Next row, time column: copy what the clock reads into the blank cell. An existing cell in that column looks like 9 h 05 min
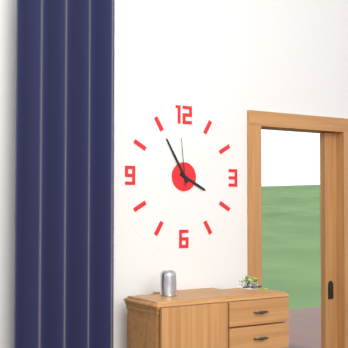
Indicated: 3 h 55 min
